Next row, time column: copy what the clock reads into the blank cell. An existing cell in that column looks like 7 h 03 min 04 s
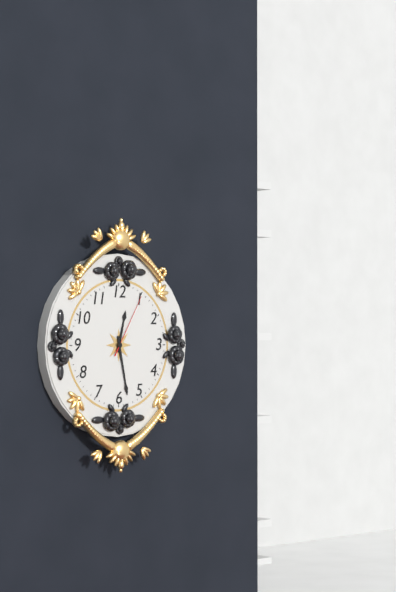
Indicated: 12 h 28 min 05 s
